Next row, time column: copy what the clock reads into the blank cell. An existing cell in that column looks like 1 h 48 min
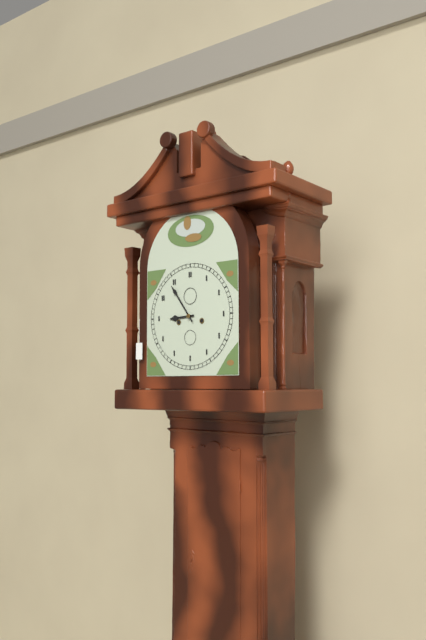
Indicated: 8 h 54 min
